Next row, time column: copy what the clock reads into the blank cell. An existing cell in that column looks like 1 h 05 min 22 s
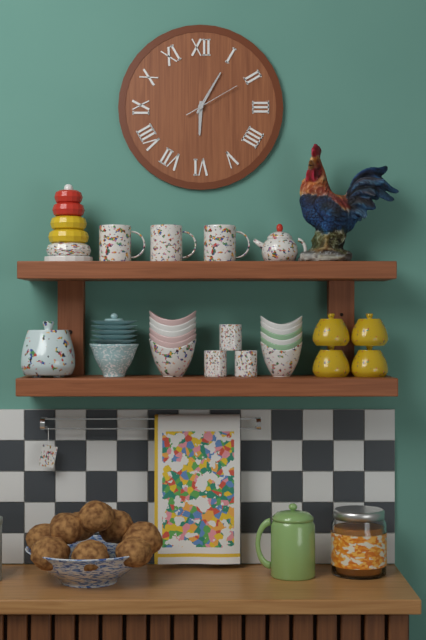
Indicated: 6 h 05 min 10 s
